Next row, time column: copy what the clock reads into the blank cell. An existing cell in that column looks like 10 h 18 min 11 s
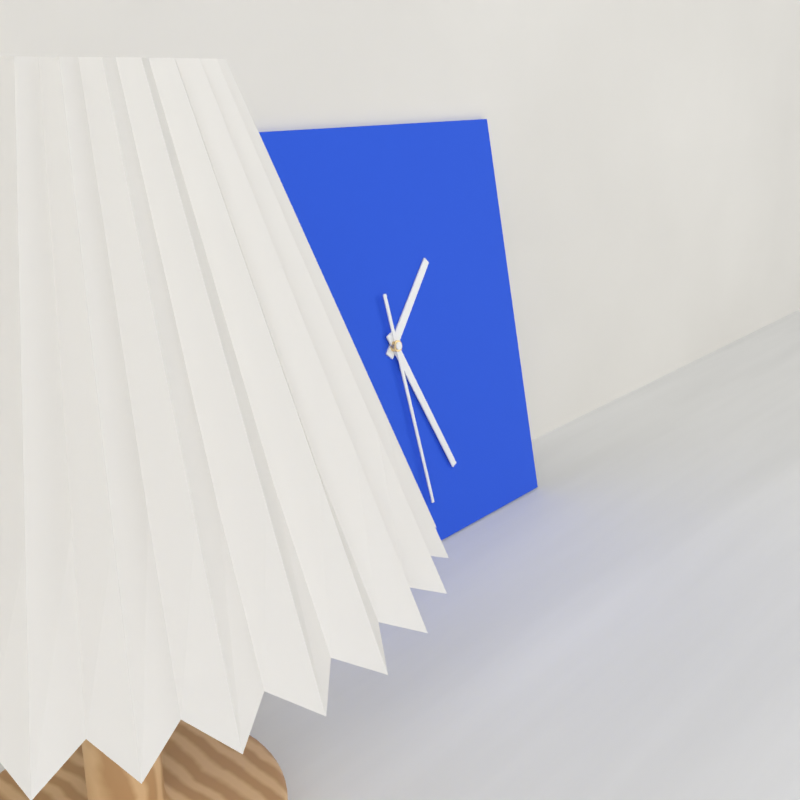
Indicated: 1 h 26 min 29 s
